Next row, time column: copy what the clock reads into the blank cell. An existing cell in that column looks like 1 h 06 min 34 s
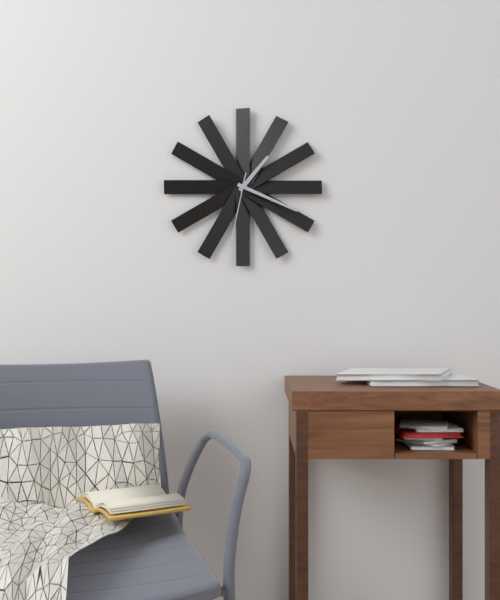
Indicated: 1 h 19 min 32 s
